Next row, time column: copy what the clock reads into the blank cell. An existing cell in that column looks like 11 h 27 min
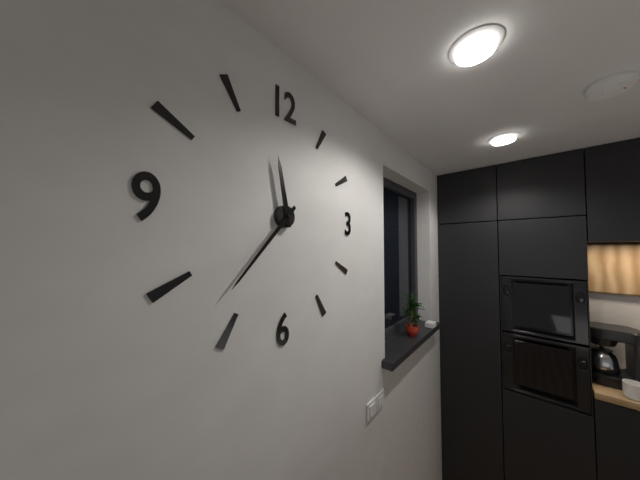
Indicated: 11 h 37 min
